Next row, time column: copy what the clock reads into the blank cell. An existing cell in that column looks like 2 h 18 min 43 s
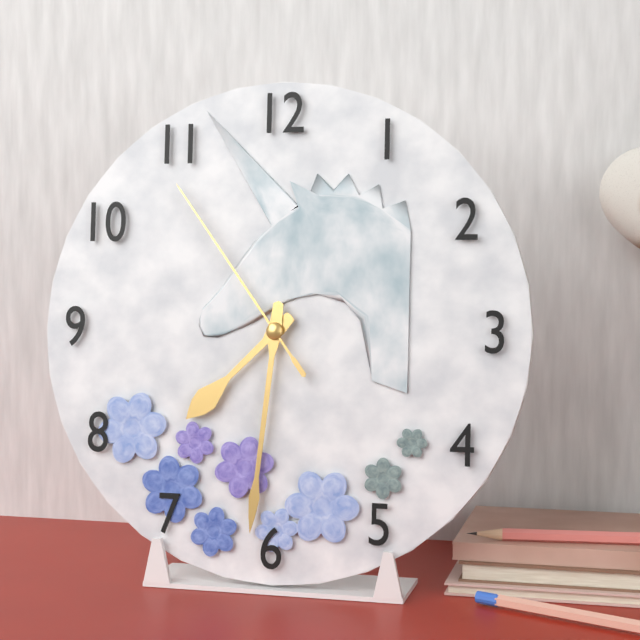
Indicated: 7 h 31 min 54 s
